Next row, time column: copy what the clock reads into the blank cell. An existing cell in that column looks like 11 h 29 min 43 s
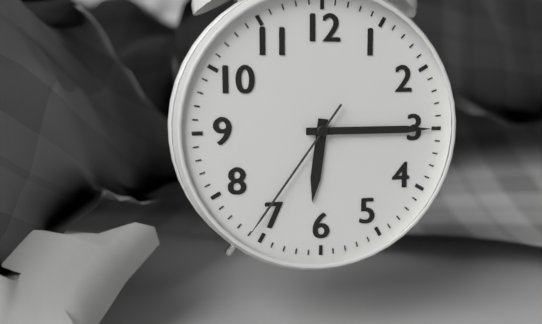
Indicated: 6 h 15 min 36 s
